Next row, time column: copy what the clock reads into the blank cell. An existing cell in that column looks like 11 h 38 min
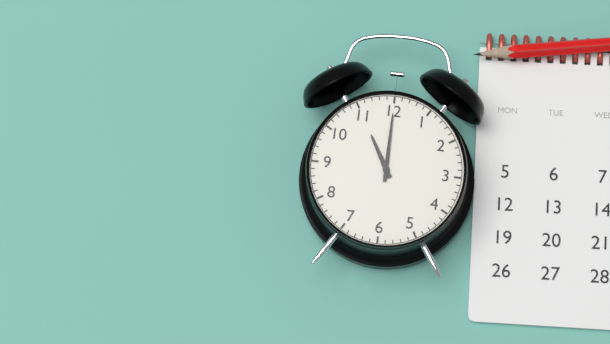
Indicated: 11 h 00 min
